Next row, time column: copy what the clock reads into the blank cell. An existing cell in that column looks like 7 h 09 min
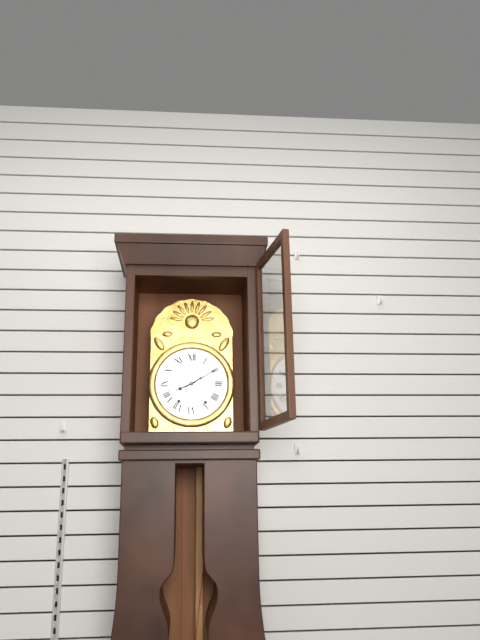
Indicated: 8 h 10 min
